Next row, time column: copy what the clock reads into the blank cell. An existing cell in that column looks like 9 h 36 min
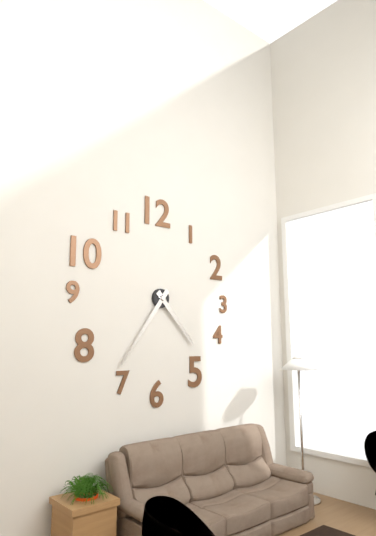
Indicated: 4 h 36 min
